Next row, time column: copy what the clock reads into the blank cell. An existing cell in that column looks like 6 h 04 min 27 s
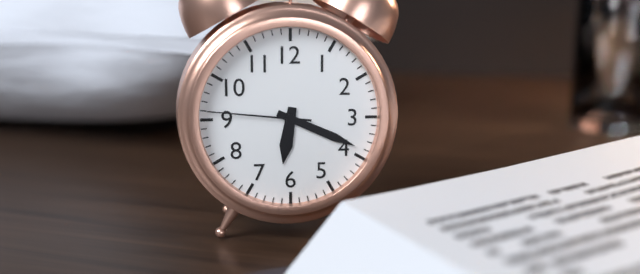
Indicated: 6 h 19 min 46 s
